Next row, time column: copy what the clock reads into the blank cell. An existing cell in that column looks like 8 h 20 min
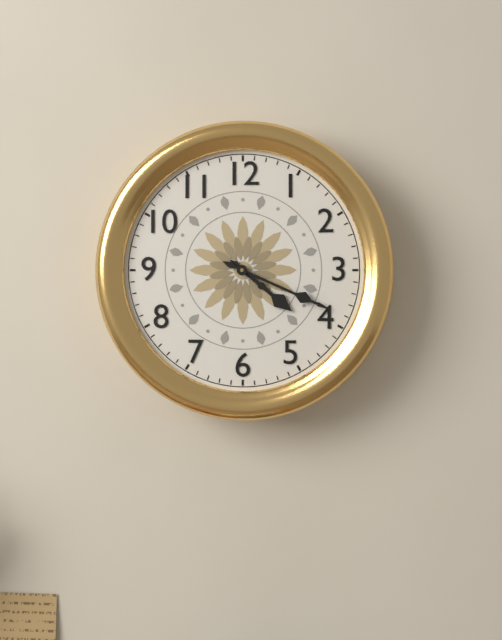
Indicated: 4 h 19 min
